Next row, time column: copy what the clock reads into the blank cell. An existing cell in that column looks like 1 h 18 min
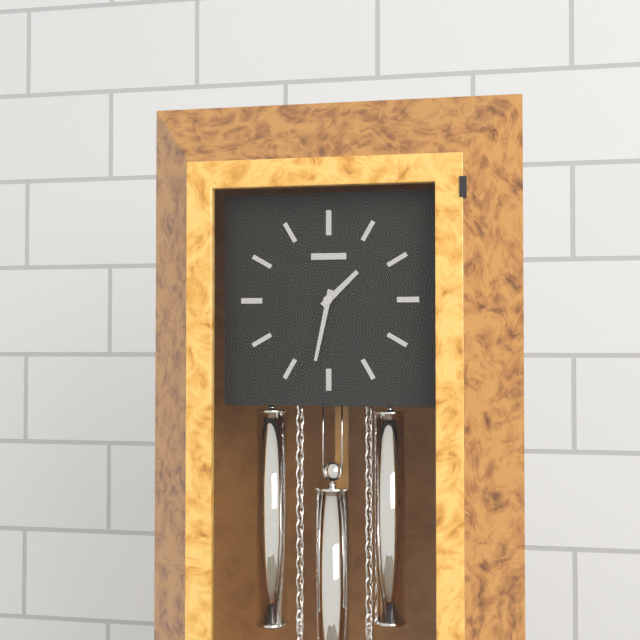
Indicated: 1 h 32 min
